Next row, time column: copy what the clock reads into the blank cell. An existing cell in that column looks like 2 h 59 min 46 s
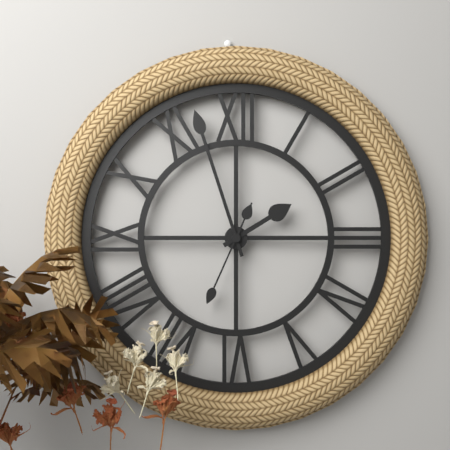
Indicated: 1 h 57 min 34 s
